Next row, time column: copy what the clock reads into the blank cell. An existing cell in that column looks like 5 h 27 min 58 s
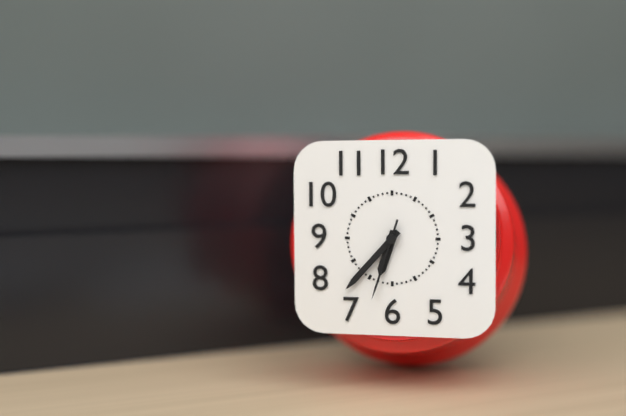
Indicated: 6 h 37 min 33 s
